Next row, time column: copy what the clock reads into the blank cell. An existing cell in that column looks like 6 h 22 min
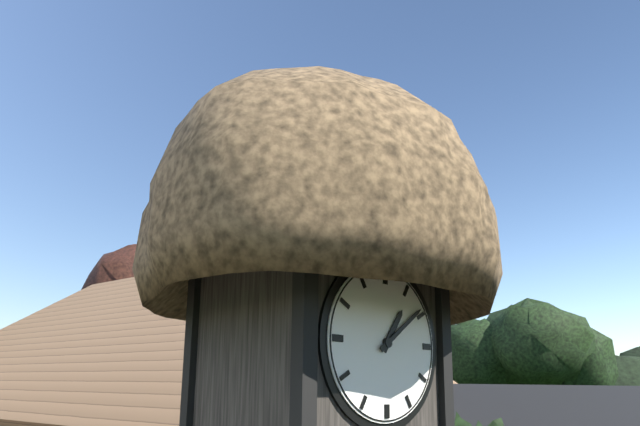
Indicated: 1 h 09 min
